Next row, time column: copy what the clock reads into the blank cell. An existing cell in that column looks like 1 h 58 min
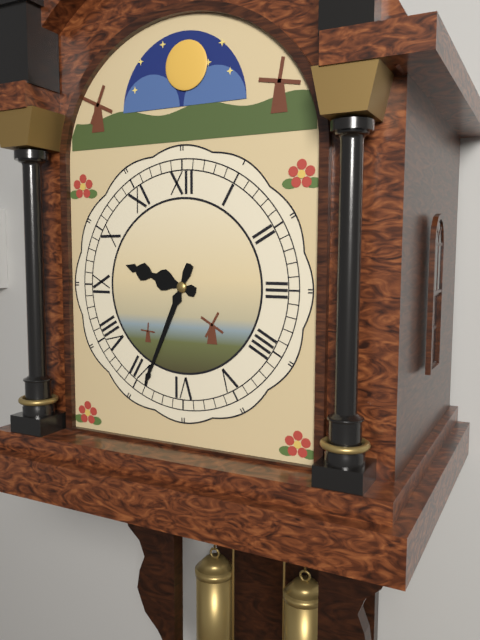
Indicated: 9 h 34 min
